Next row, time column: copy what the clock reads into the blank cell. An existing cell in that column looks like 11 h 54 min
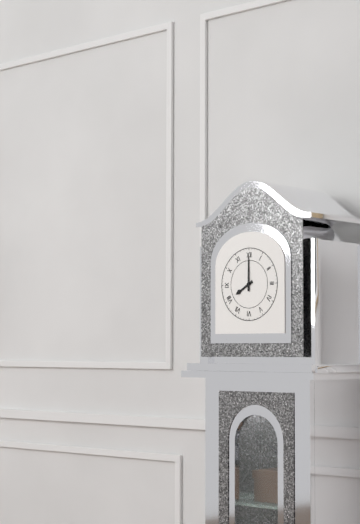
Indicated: 8 h 00 min
